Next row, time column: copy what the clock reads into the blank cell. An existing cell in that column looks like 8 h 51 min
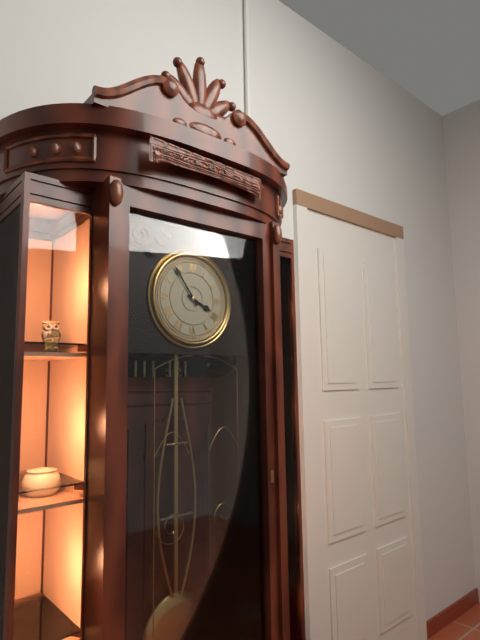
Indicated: 3 h 54 min
